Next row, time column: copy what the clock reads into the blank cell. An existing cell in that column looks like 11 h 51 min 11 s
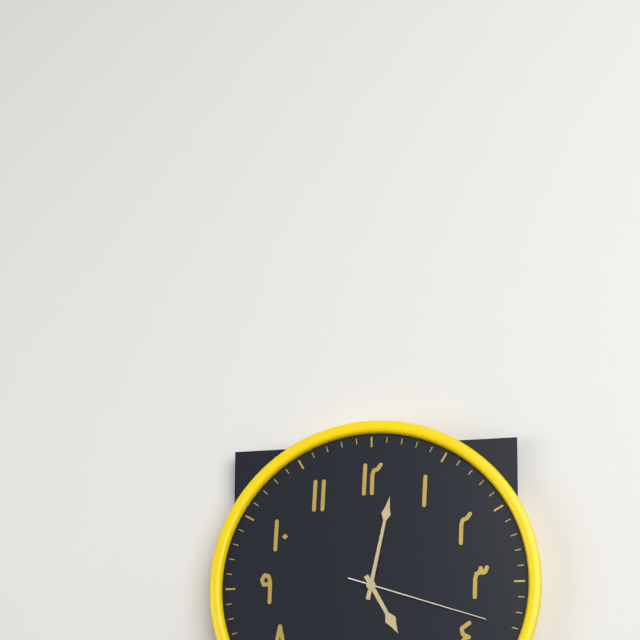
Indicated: 5 h 02 min 18 s
